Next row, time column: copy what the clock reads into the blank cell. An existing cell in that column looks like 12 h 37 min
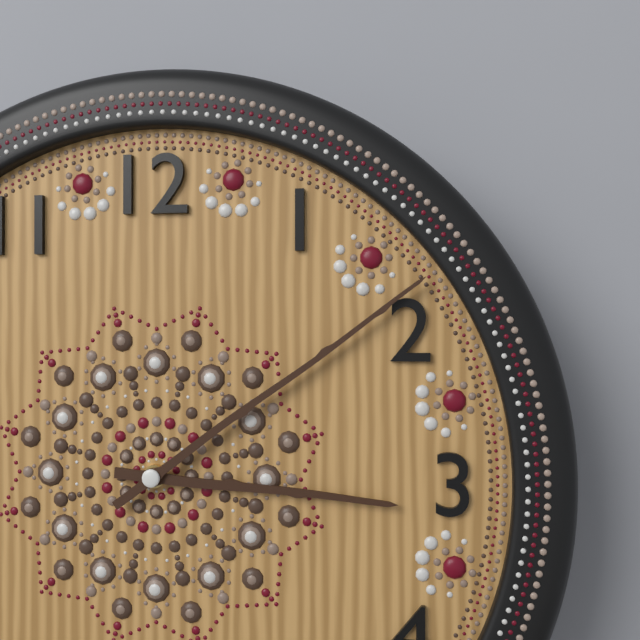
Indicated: 3 h 09 min
